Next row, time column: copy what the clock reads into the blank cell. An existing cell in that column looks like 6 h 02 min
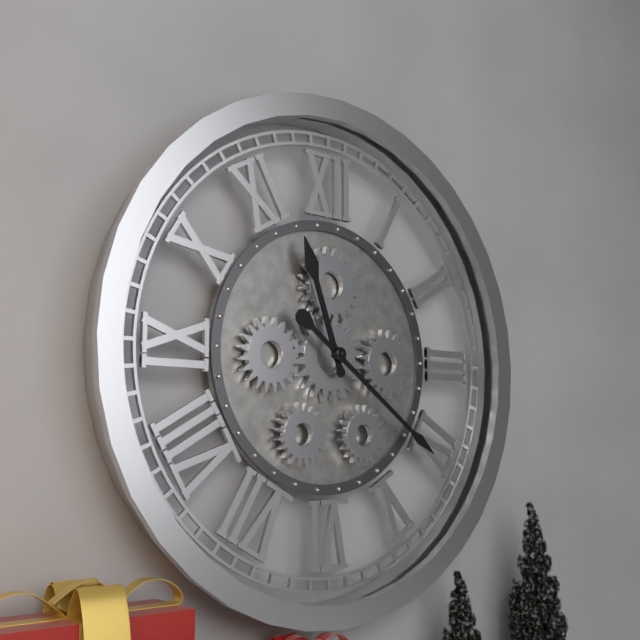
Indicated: 11 h 21 min
